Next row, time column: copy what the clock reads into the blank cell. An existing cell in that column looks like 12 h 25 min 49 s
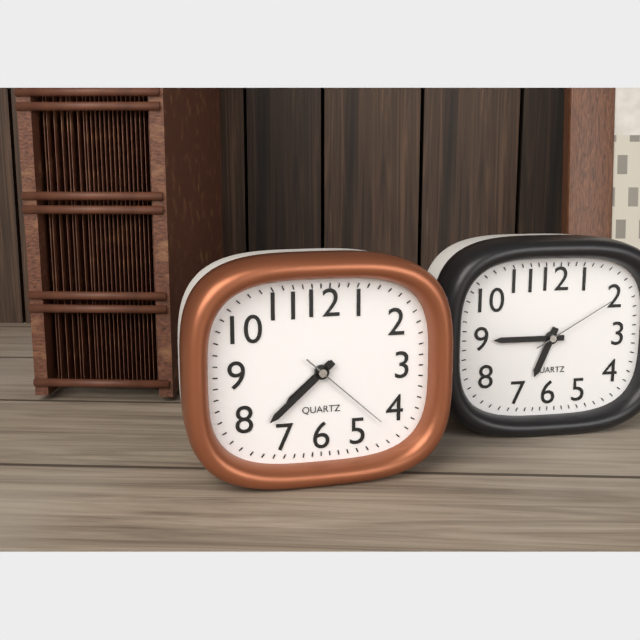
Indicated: 7 h 38 min 22 s
